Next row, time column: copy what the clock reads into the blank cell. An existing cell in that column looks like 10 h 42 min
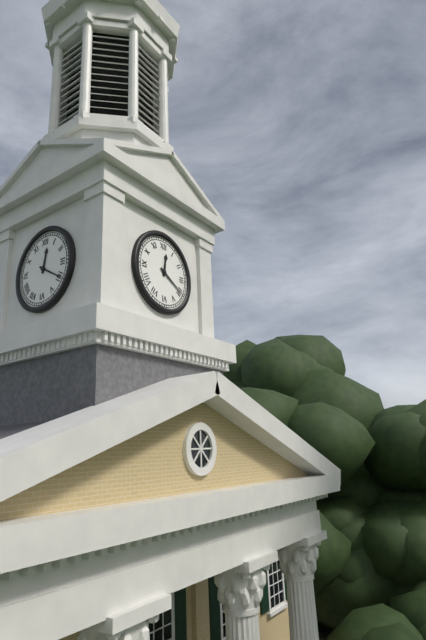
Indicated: 12 h 20 min
